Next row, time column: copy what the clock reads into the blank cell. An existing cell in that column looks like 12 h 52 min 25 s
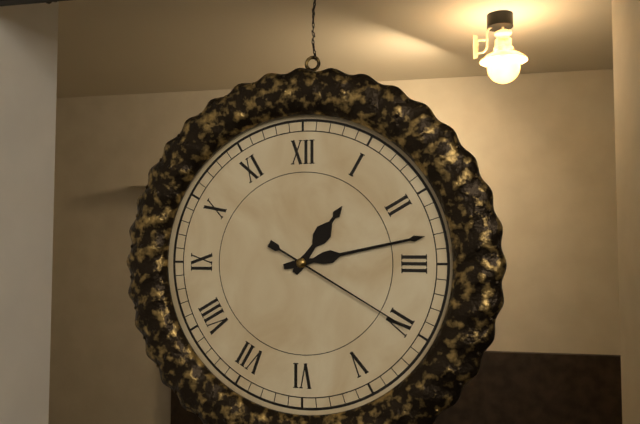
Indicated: 1 h 13 min 20 s
